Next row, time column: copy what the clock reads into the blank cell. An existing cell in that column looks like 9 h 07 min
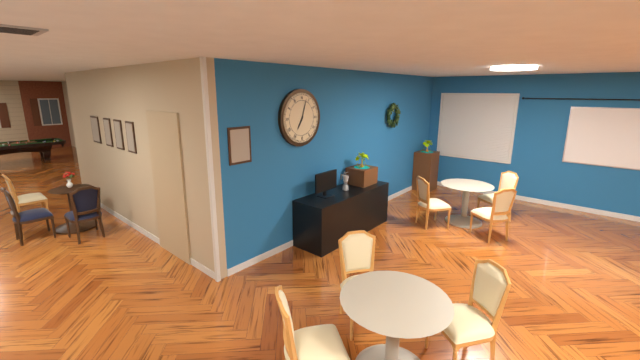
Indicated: 7 h 03 min
